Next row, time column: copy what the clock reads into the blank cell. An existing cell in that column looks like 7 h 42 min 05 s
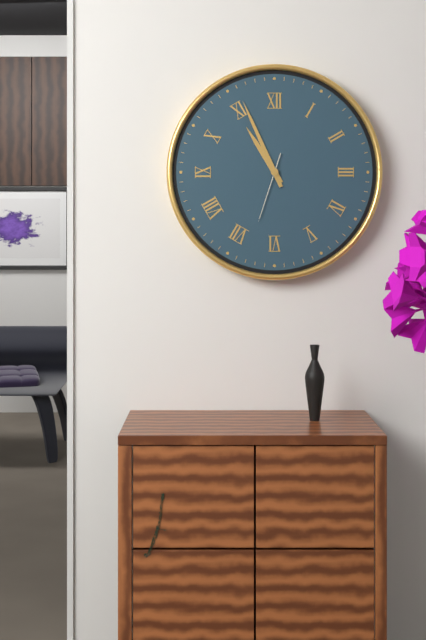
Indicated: 10 h 56 min 33 s
